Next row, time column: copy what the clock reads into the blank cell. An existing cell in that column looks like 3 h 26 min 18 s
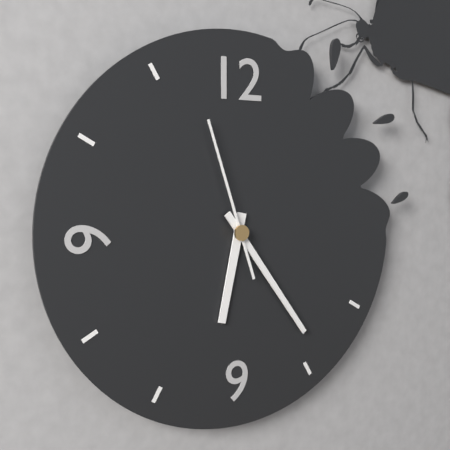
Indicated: 6 h 24 min 57 s
